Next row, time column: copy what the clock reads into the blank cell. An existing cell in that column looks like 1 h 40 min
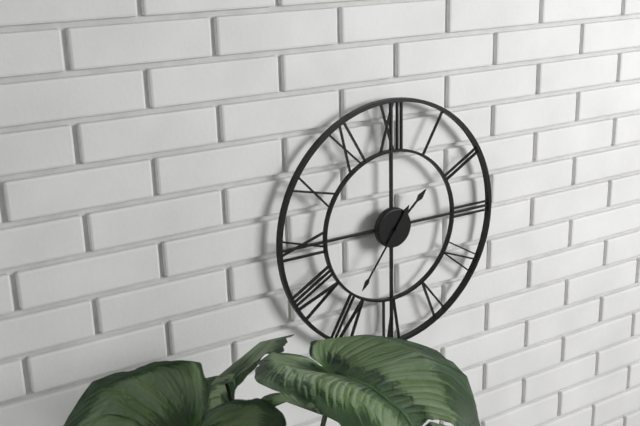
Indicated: 1 h 36 min
